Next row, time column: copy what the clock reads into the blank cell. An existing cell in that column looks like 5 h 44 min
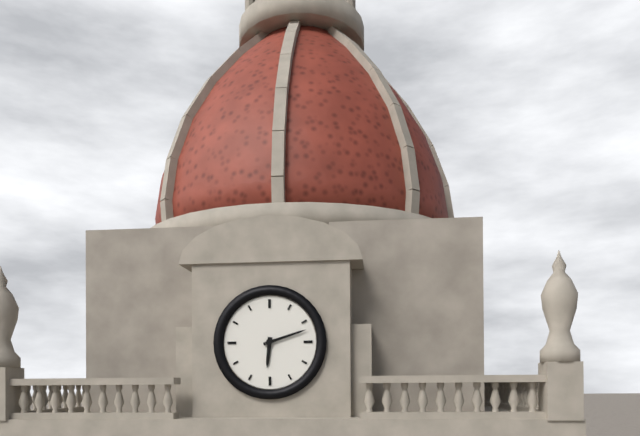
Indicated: 6 h 12 min
